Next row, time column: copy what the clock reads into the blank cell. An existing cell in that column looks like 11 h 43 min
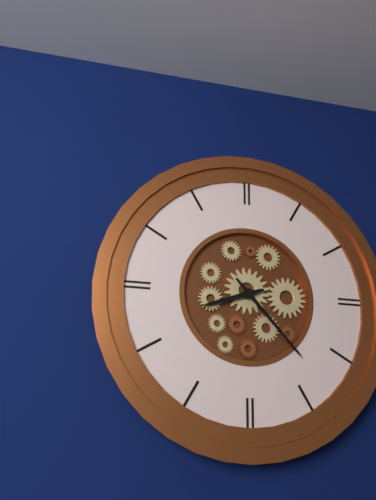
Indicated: 8 h 23 min
